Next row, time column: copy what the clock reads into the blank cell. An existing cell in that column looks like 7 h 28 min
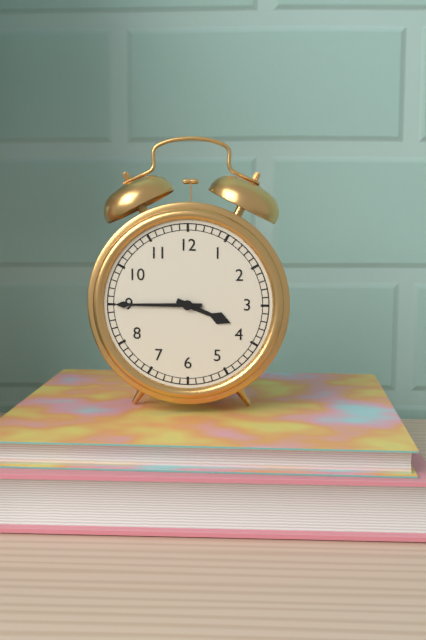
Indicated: 3 h 45 min
